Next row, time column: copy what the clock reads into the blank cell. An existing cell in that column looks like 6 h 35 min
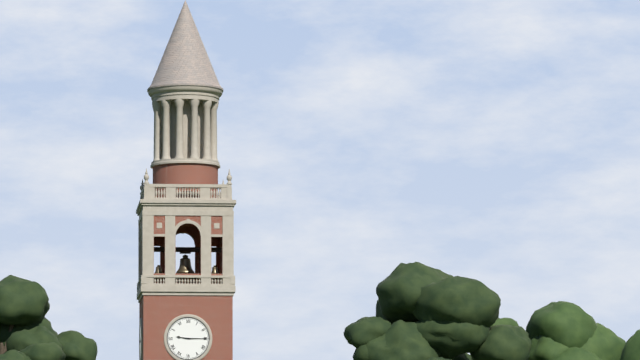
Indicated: 9 h 15 min
